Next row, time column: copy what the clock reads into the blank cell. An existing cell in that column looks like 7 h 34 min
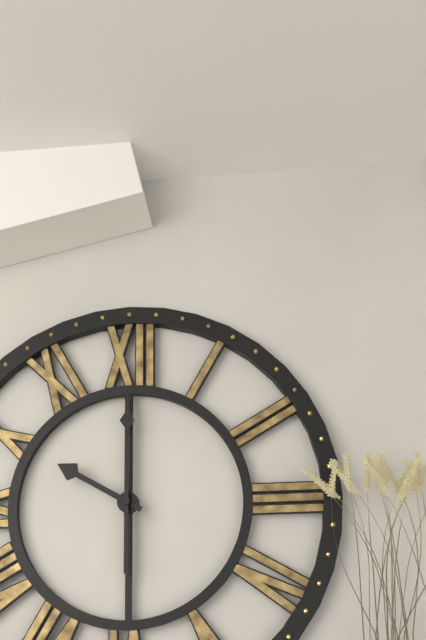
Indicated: 10 h 00 min
